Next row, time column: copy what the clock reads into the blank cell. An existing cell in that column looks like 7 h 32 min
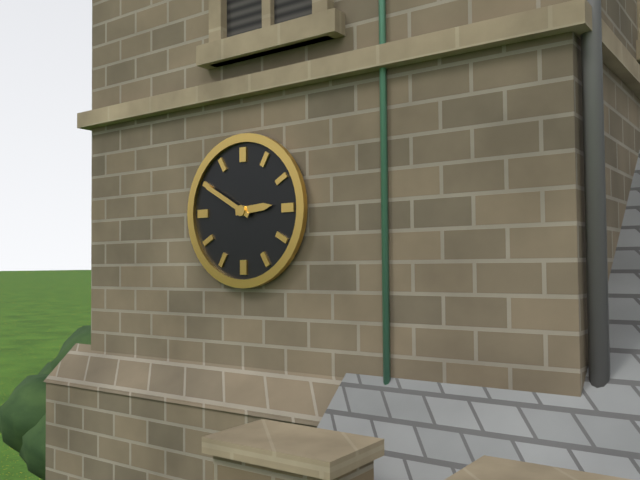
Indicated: 2 h 50 min
